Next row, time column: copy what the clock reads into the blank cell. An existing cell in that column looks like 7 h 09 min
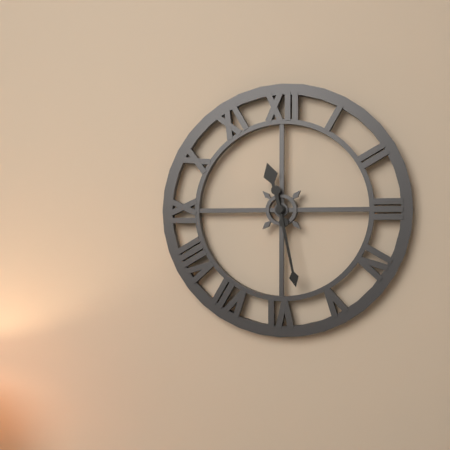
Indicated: 11 h 28 min
